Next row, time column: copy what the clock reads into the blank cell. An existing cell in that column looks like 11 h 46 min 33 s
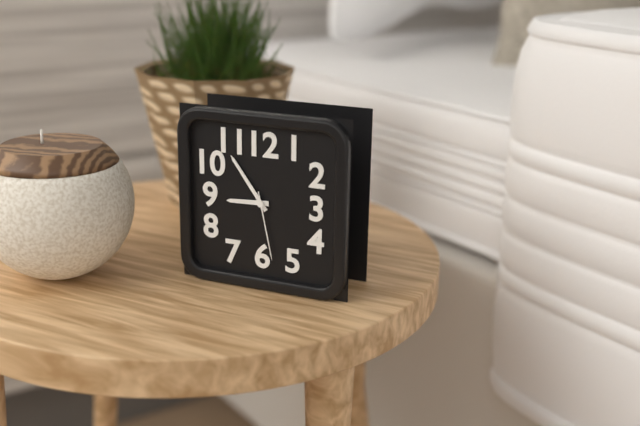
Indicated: 8 h 54 min 28 s
